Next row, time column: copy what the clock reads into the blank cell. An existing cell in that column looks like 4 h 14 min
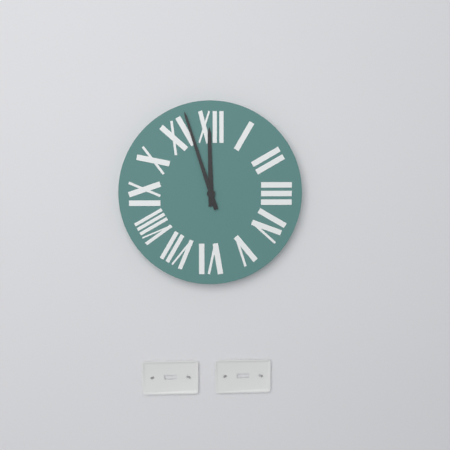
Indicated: 11 h 57 min
